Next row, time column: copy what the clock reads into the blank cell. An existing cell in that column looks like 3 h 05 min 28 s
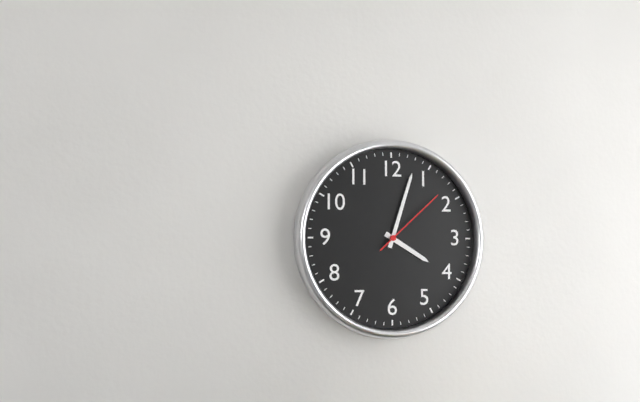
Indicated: 4 h 03 min 08 s
